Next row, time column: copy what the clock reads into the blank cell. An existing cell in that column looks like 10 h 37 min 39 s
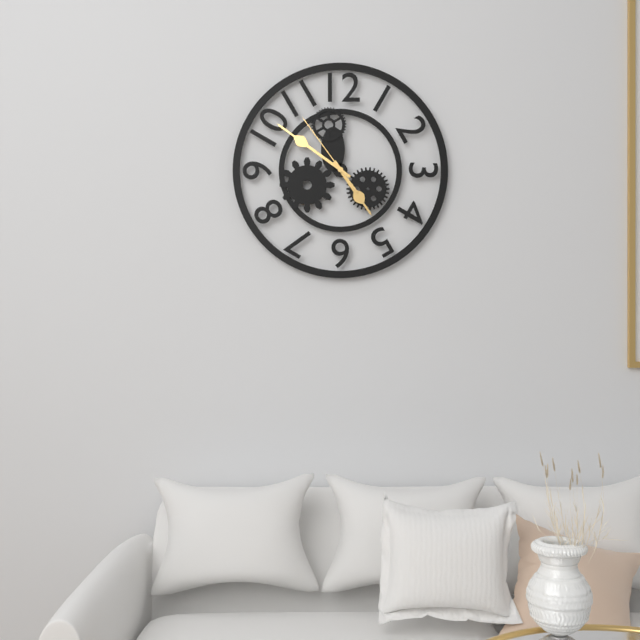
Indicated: 4 h 51 min 54 s
